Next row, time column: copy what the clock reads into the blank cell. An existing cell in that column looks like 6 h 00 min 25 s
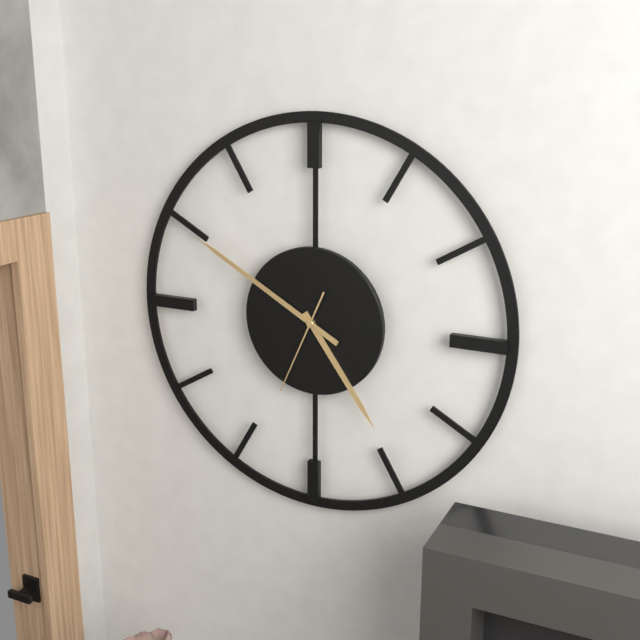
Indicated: 4 h 50 min 34 s
